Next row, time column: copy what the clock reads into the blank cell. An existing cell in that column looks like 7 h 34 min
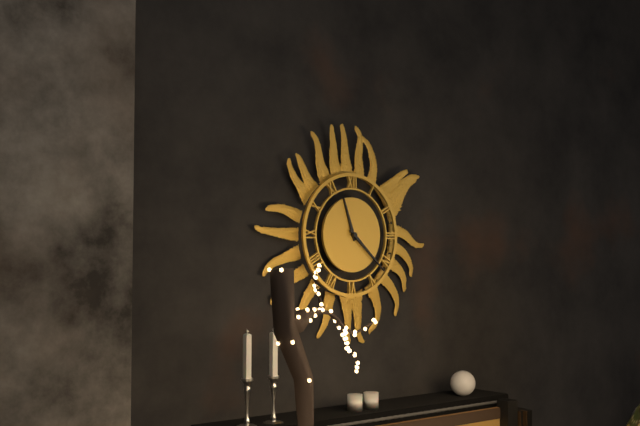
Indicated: 11 h 22 min
